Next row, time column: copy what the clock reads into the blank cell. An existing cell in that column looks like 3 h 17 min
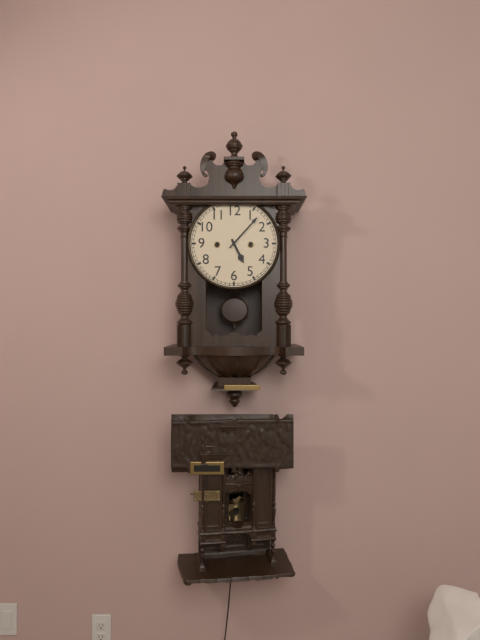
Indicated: 5 h 07 min
